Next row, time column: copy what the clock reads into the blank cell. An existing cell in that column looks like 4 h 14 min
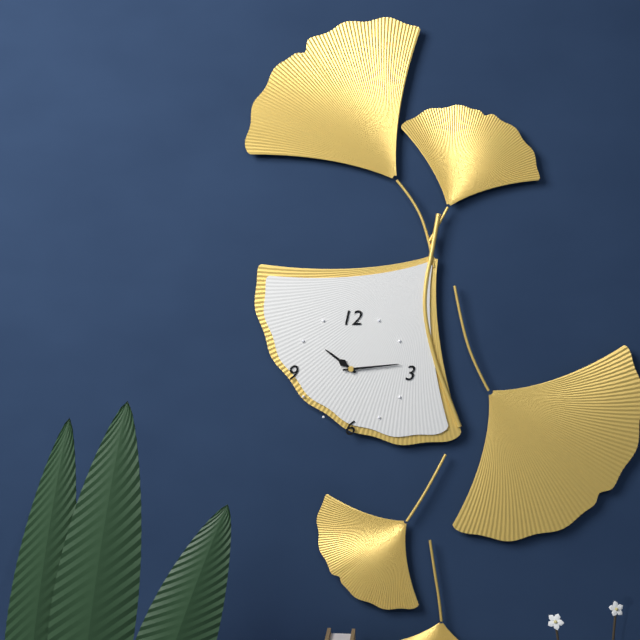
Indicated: 10 h 14 min
